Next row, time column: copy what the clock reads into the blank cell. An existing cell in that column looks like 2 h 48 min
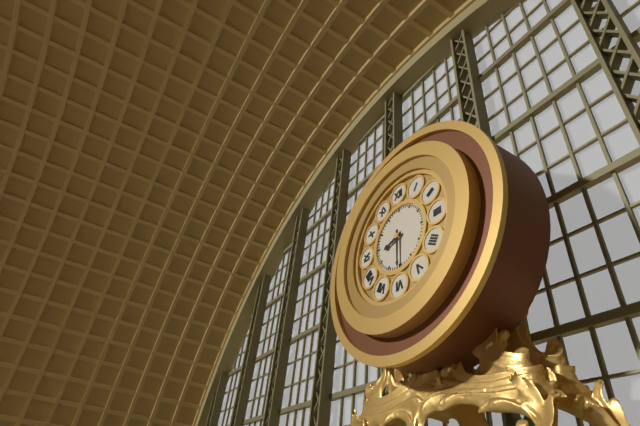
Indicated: 8 h 30 min
